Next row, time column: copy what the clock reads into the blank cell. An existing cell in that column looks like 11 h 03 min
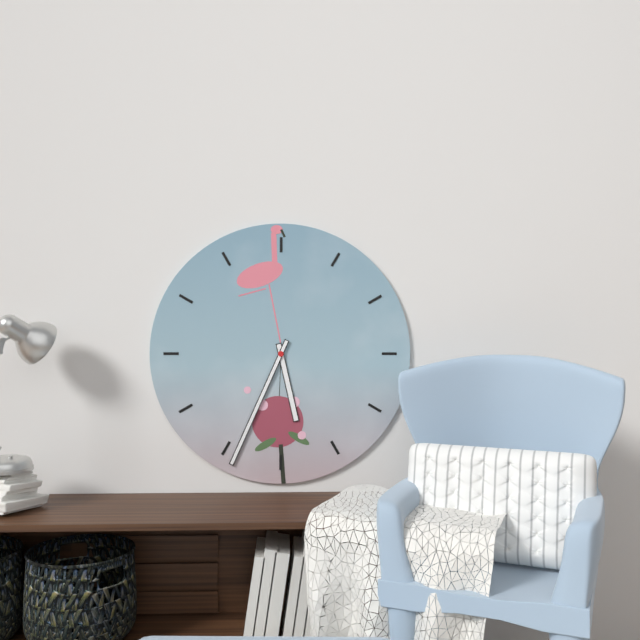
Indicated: 5 h 34 min
